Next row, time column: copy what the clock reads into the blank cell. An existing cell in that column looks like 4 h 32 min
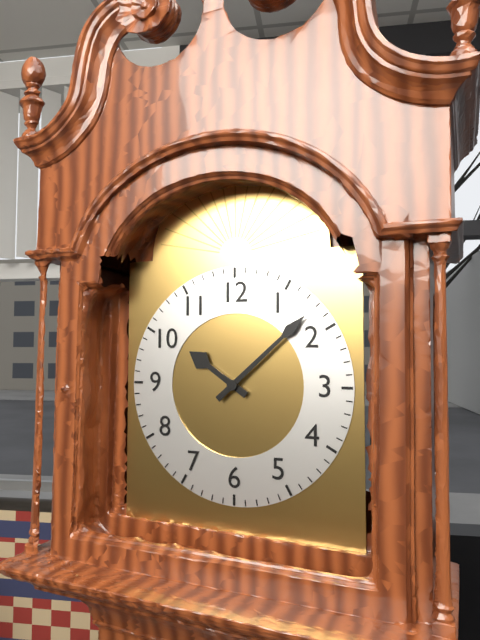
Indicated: 10 h 08 min
